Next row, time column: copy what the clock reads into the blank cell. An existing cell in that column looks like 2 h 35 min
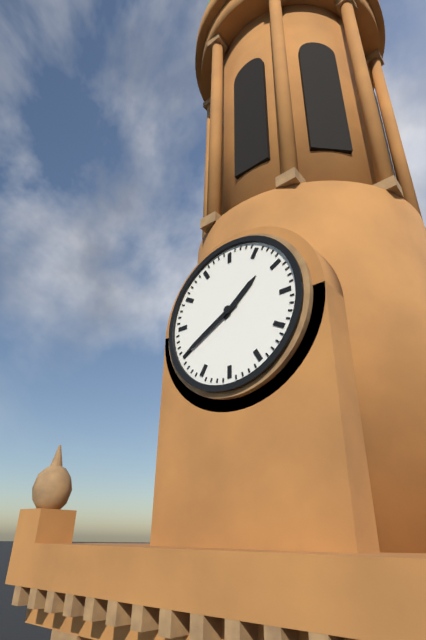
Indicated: 1 h 40 min
